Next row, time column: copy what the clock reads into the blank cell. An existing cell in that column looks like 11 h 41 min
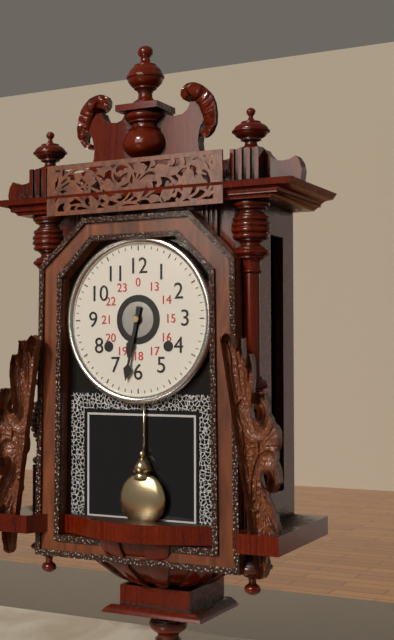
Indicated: 6 h 32 min
